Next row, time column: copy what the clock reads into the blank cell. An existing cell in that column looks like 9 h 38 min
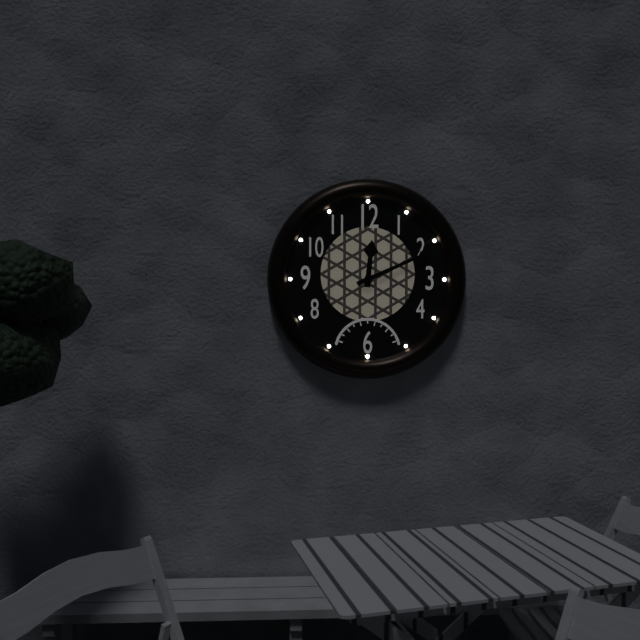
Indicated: 12 h 11 min
